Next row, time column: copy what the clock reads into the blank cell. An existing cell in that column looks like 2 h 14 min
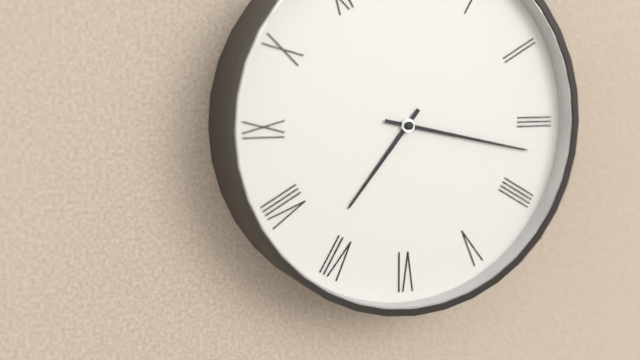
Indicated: 7 h 17 min
